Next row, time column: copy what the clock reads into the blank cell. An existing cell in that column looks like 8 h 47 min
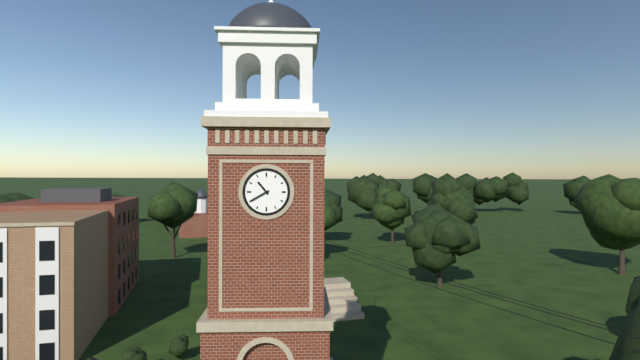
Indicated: 10 h 40 min
